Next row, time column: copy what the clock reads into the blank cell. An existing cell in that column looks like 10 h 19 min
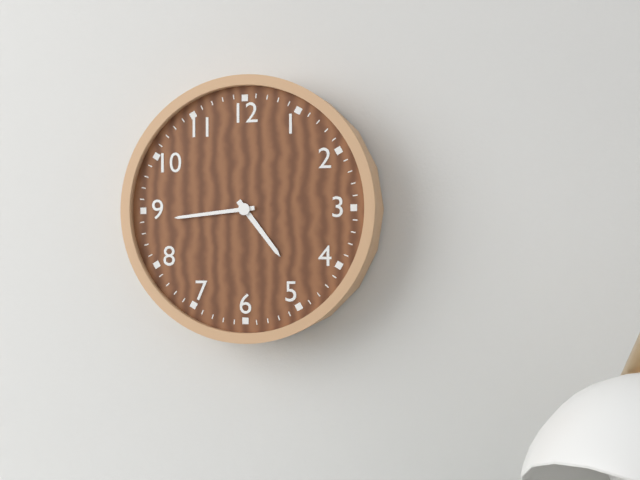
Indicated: 4 h 44 min
